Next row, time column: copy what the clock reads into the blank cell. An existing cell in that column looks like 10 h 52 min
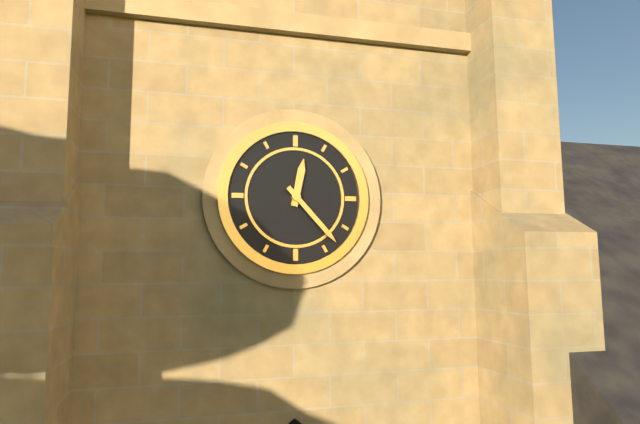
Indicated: 12 h 23 min
